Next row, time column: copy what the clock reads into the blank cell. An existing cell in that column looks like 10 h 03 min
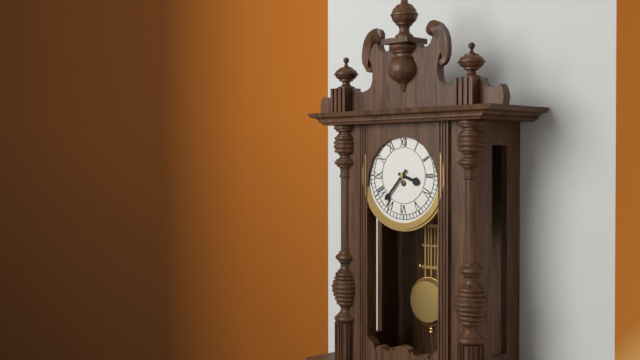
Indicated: 3 h 37 min
